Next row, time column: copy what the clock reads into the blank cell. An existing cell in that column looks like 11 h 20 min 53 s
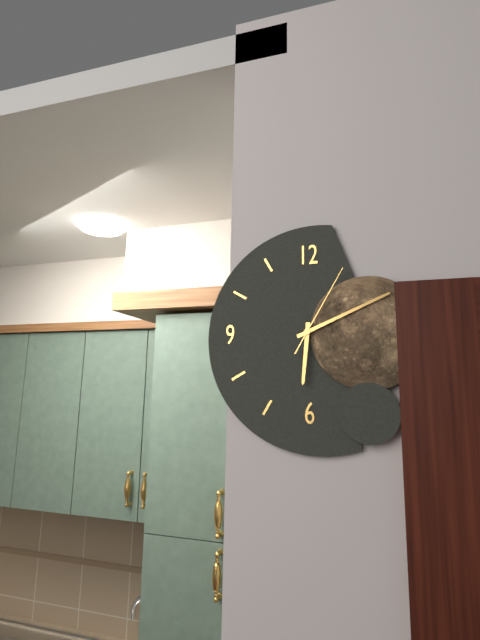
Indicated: 6 h 11 min 05 s
